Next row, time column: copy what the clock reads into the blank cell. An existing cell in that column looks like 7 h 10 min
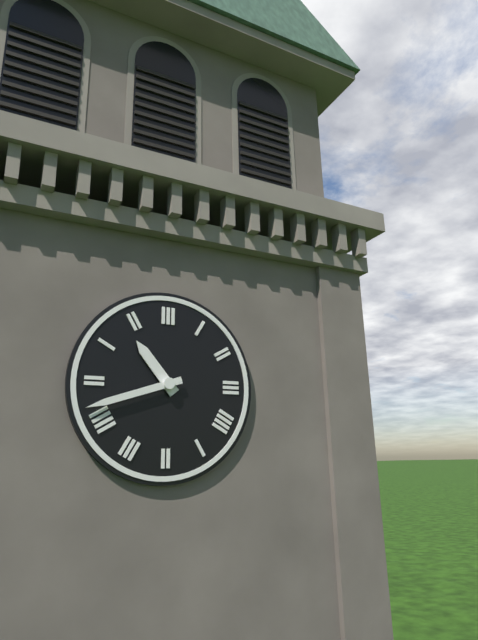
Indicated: 10 h 42 min
